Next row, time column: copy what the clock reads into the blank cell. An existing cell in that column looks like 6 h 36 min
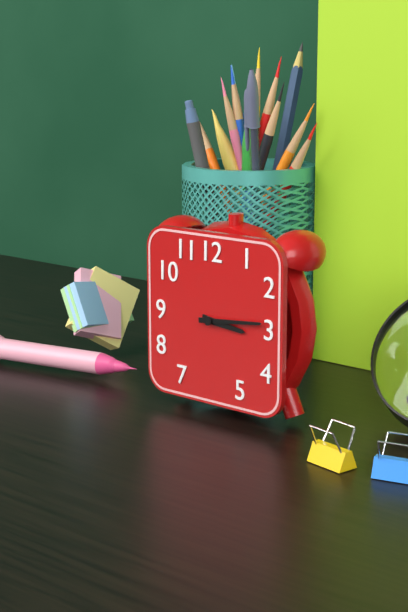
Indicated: 3 h 14 min
